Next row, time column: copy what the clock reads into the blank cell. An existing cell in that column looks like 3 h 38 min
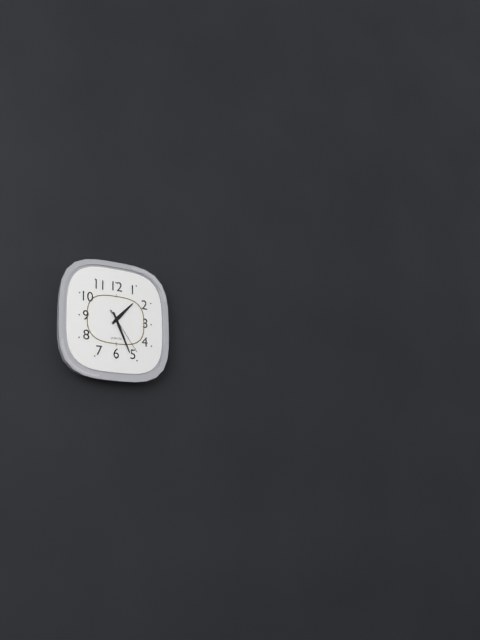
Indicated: 1 h 26 min
